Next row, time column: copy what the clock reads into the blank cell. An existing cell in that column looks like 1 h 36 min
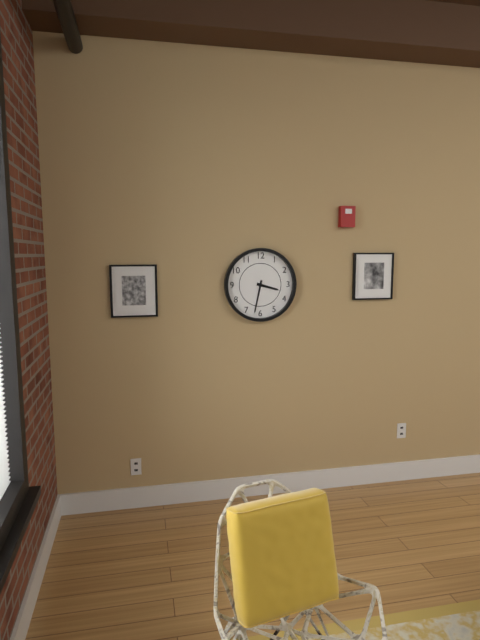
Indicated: 3 h 32 min
